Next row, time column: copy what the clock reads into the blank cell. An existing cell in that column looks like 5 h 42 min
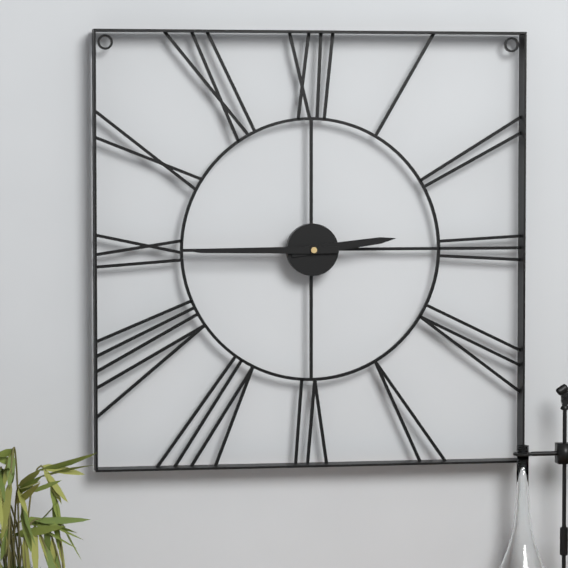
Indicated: 2 h 45 min
